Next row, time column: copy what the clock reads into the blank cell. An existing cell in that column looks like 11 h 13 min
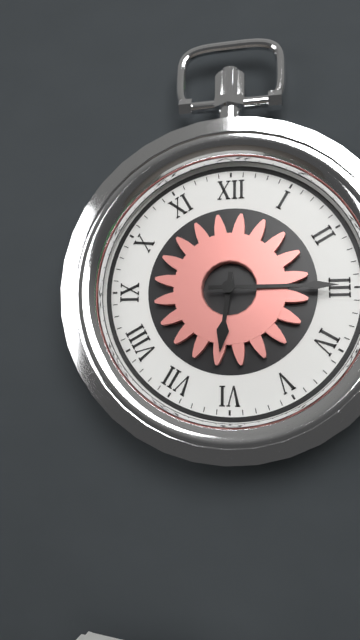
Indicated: 6 h 15 min
